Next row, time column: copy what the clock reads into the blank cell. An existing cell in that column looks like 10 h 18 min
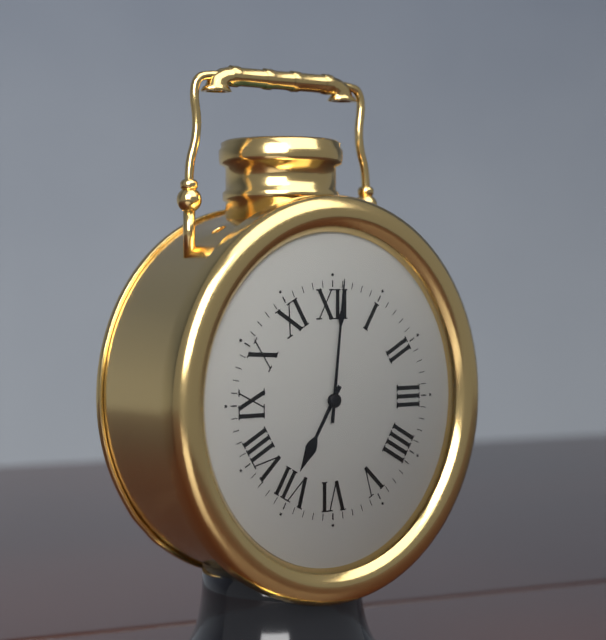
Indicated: 7 h 01 min
